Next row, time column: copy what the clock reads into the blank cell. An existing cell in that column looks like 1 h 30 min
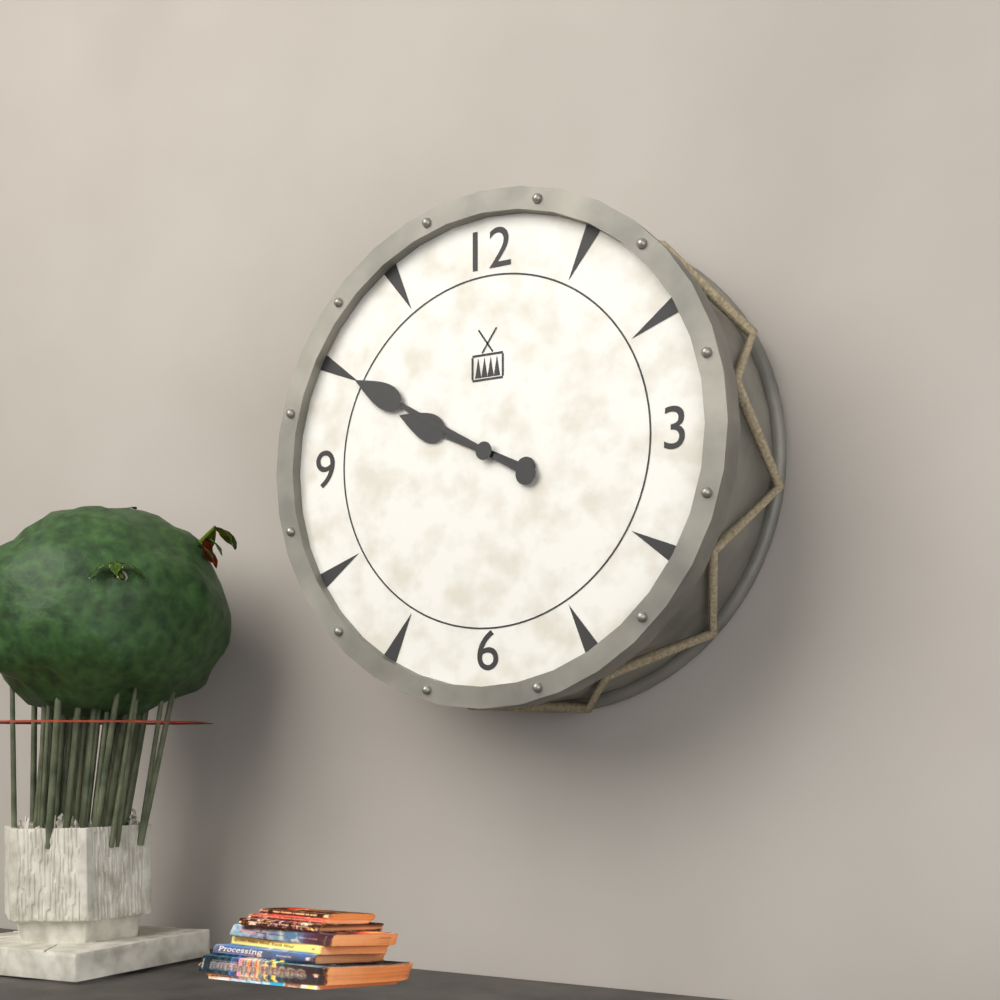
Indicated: 9 h 50 min
